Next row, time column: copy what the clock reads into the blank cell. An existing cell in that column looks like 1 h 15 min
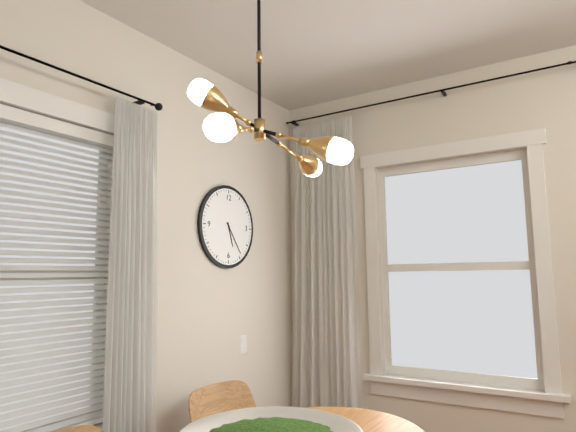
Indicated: 5 h 24 min
